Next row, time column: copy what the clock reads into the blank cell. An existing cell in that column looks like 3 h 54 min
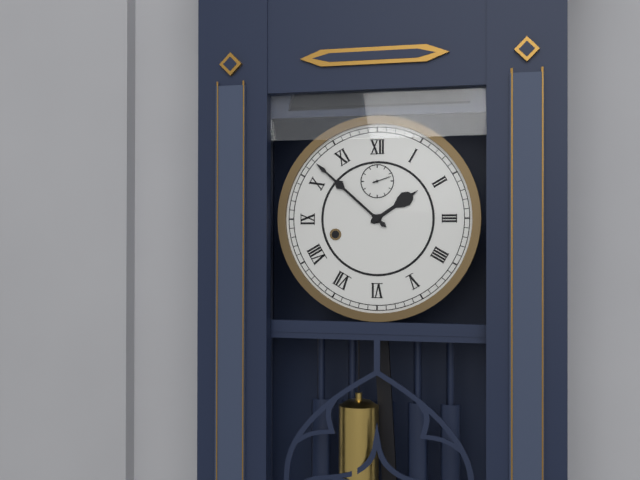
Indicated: 1 h 52 min
